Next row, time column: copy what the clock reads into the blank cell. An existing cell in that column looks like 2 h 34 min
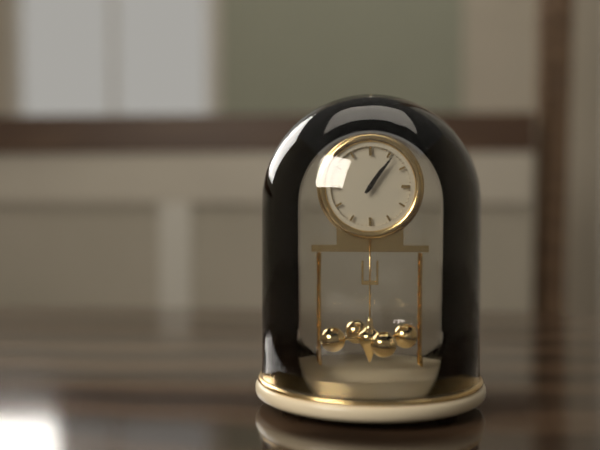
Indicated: 1 h 06 min
